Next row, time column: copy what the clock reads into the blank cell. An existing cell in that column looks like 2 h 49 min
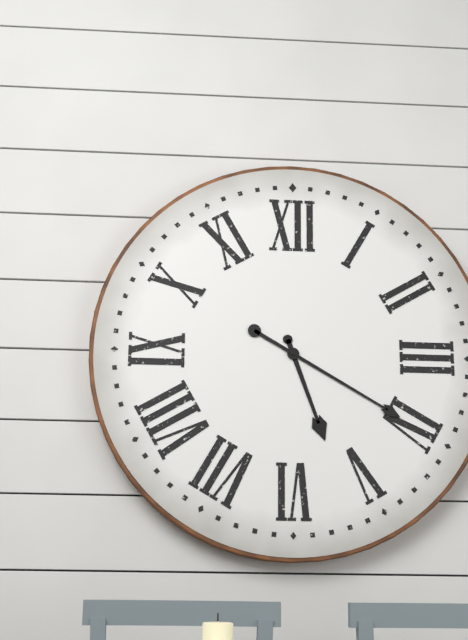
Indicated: 5 h 20 min
